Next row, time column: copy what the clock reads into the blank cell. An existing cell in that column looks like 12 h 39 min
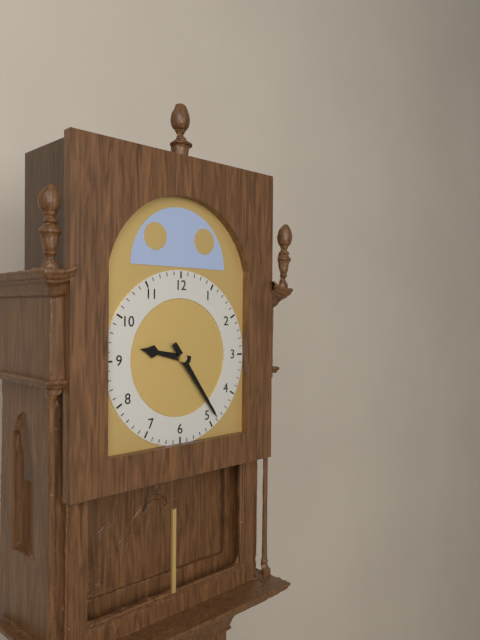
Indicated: 9 h 24 min
